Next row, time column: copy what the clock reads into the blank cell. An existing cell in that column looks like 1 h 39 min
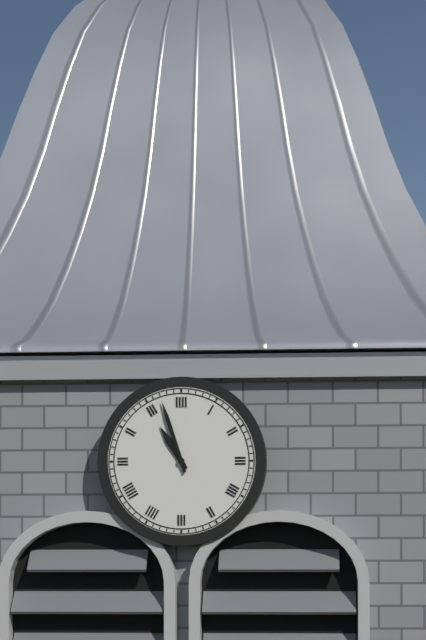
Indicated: 10 h 57 min
